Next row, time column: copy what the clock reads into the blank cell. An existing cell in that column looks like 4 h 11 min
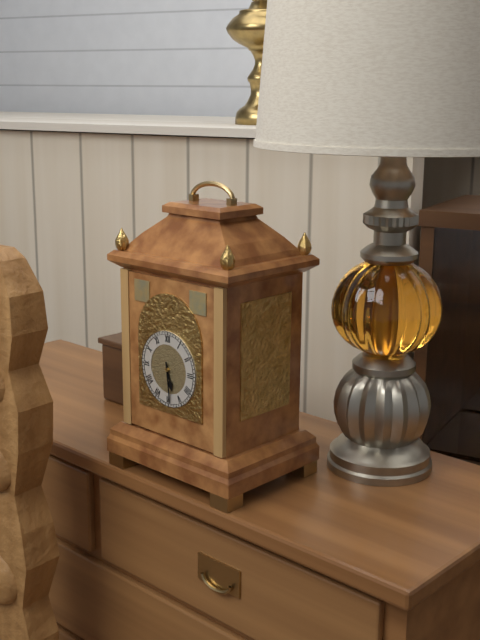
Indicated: 5 h 29 min
